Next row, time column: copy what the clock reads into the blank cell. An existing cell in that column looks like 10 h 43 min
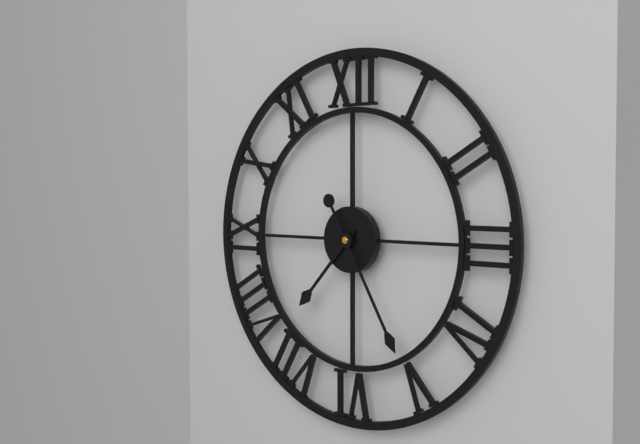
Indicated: 7 h 25 min
